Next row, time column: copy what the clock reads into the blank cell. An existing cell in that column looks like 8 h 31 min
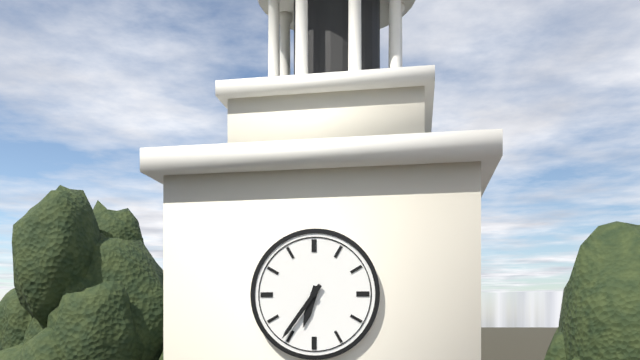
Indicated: 6 h 36 min
